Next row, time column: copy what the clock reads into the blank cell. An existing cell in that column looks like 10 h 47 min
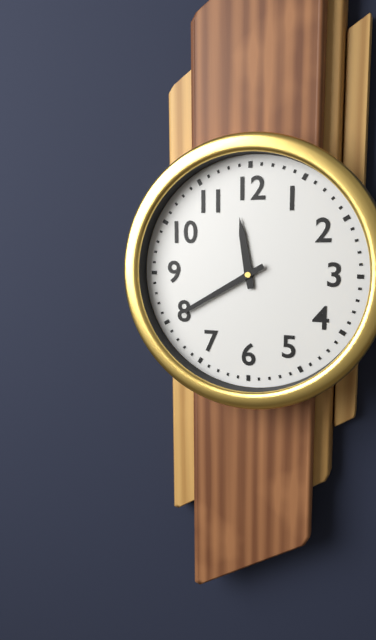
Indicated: 11 h 40 min
